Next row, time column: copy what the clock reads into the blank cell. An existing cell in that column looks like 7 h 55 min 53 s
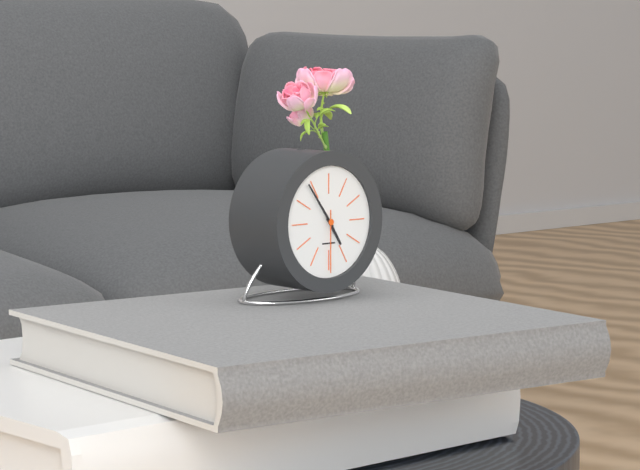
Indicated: 4 h 54 min 30 s
